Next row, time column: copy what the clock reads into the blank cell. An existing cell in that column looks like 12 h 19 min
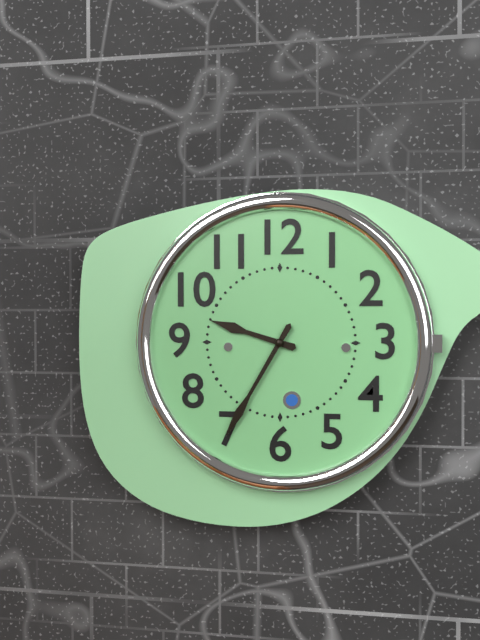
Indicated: 9 h 35 min
